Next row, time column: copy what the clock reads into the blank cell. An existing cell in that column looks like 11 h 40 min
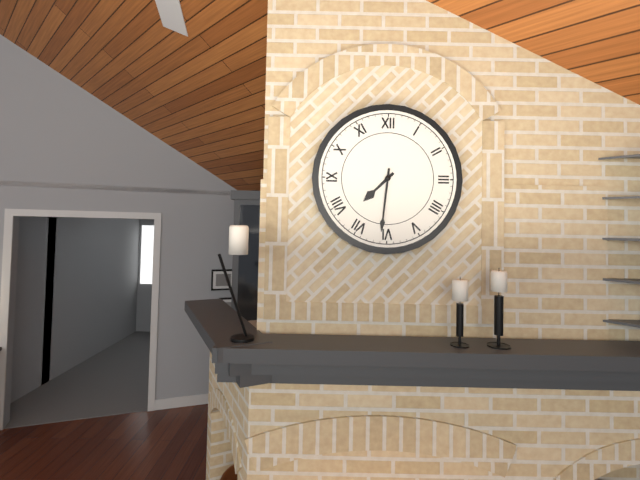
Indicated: 7 h 31 min
